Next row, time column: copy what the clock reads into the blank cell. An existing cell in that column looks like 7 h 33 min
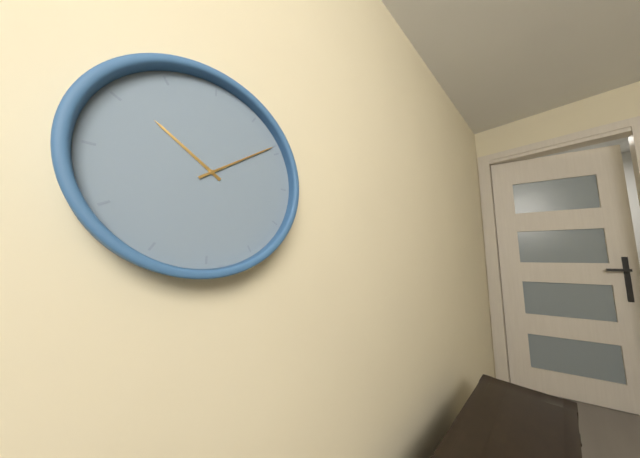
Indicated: 10 h 09 min
